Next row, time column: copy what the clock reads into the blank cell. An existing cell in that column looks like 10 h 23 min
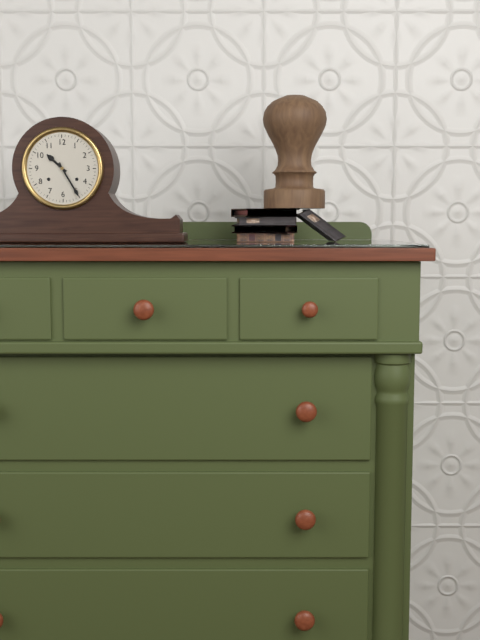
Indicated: 10 h 25 min
